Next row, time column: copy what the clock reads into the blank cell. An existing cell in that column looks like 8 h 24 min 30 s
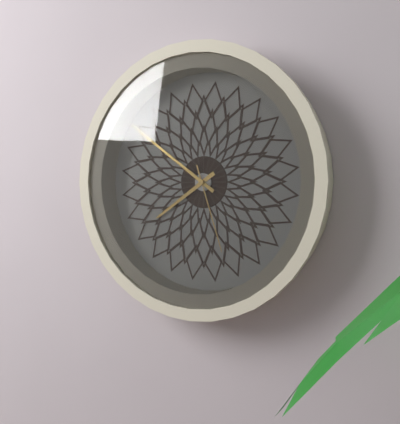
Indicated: 7 h 51 min 27 s
